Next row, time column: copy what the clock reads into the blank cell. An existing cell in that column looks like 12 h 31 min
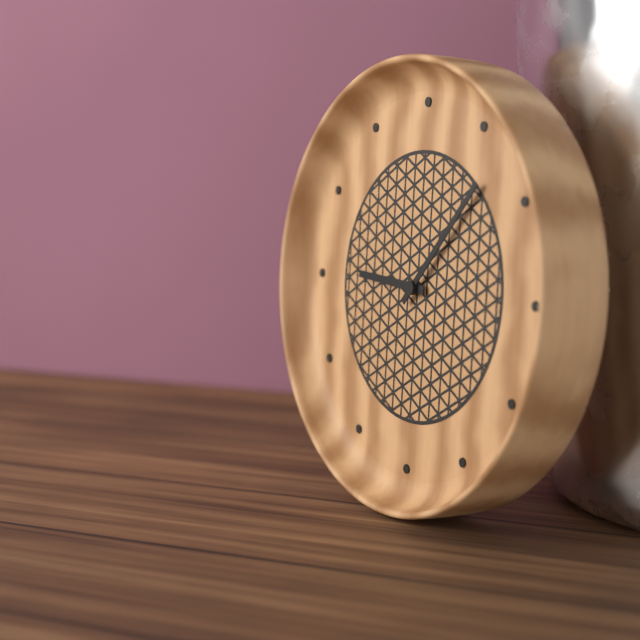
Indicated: 9 h 07 min
